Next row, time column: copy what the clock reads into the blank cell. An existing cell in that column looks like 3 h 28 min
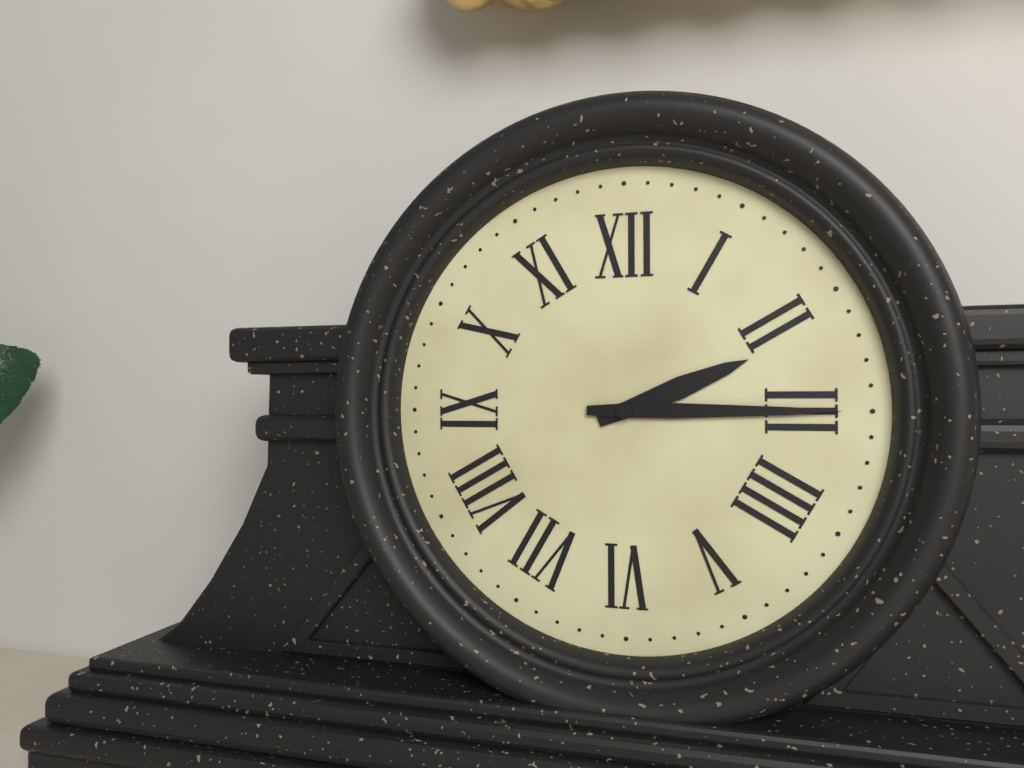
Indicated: 2 h 15 min
